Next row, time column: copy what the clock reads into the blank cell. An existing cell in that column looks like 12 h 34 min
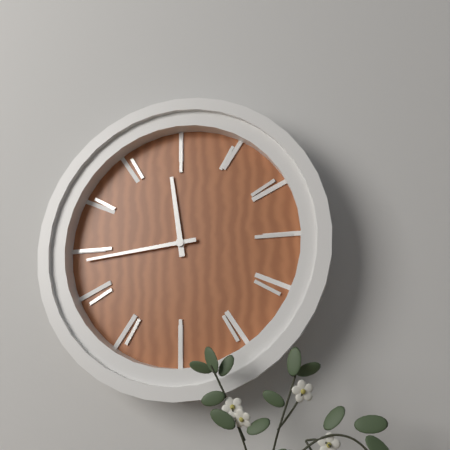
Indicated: 11 h 44 min
